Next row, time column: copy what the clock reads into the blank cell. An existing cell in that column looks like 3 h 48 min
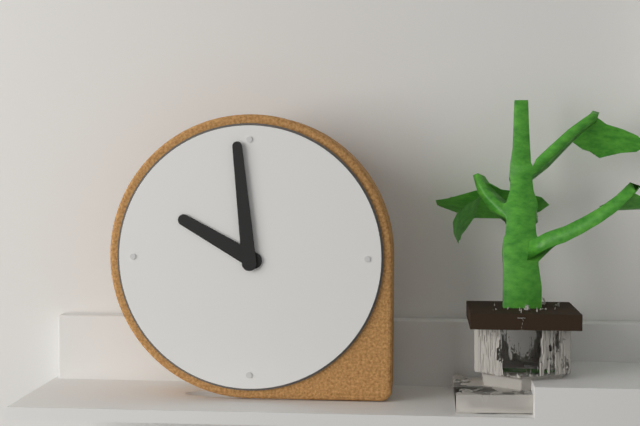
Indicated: 9 h 59 min
